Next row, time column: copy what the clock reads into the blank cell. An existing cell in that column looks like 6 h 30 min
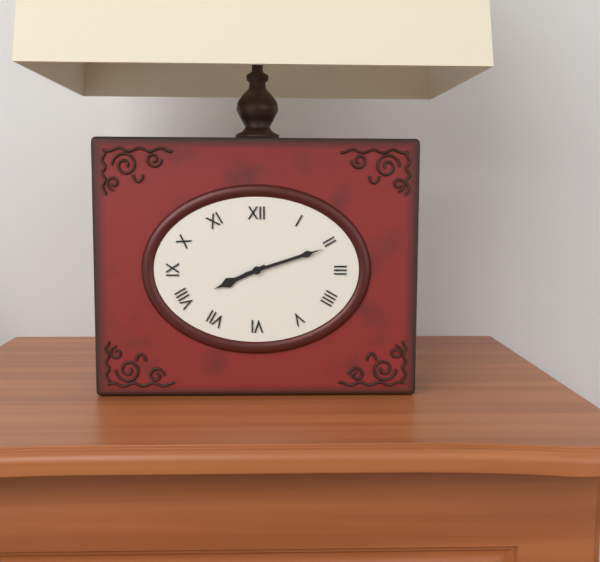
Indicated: 8 h 12 min
